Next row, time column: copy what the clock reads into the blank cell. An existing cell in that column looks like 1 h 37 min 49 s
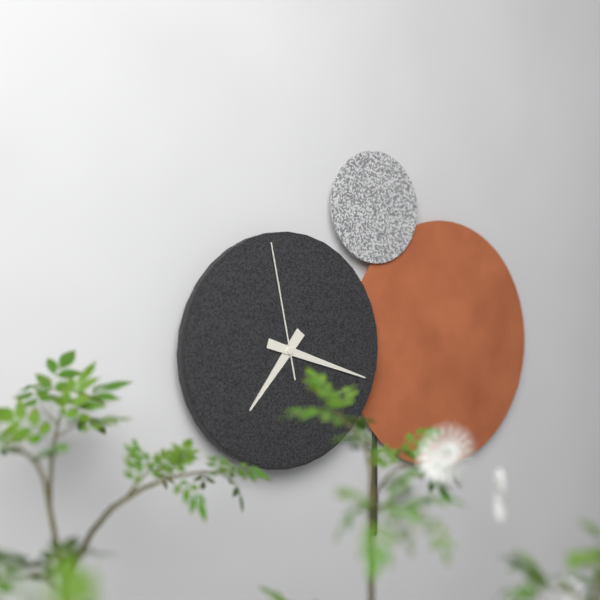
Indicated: 7 h 18 min 58 s
